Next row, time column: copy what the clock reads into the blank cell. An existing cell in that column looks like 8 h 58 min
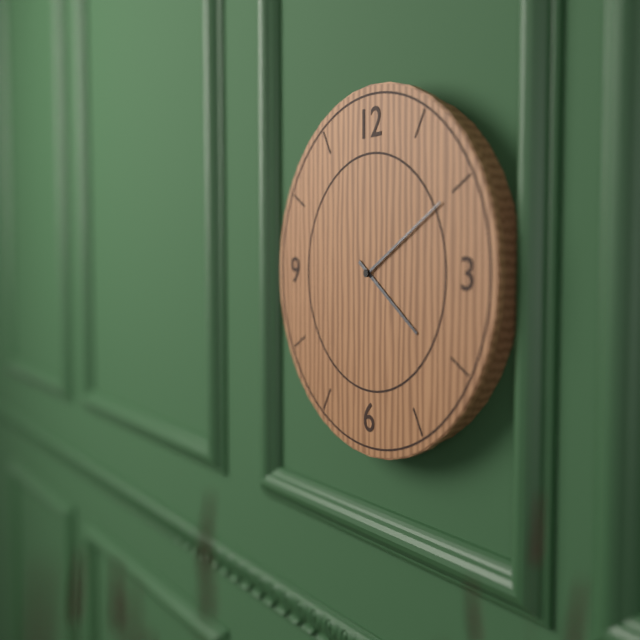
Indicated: 4 h 10 min
